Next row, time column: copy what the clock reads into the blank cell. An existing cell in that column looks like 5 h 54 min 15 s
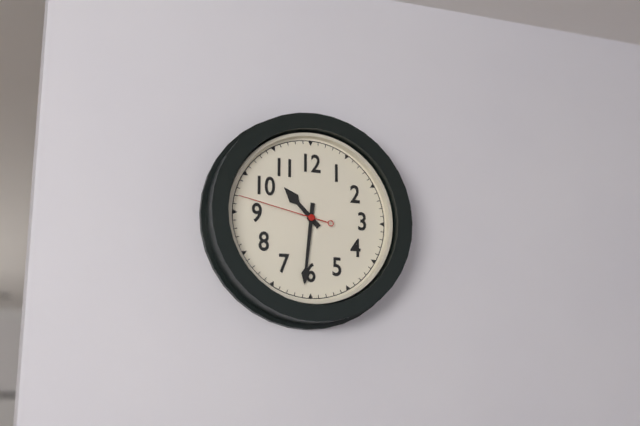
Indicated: 10 h 31 min 47 s
